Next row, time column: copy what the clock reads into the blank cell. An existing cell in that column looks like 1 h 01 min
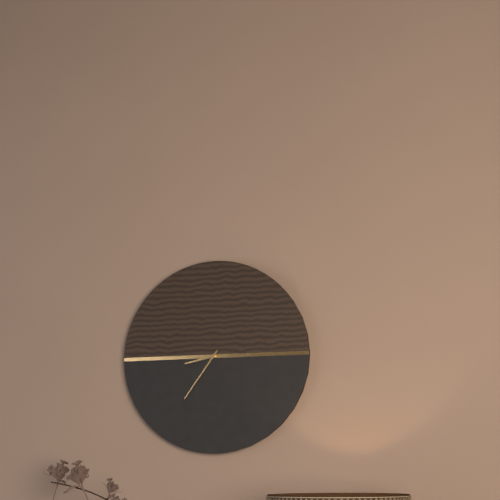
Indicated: 8 h 36 min
